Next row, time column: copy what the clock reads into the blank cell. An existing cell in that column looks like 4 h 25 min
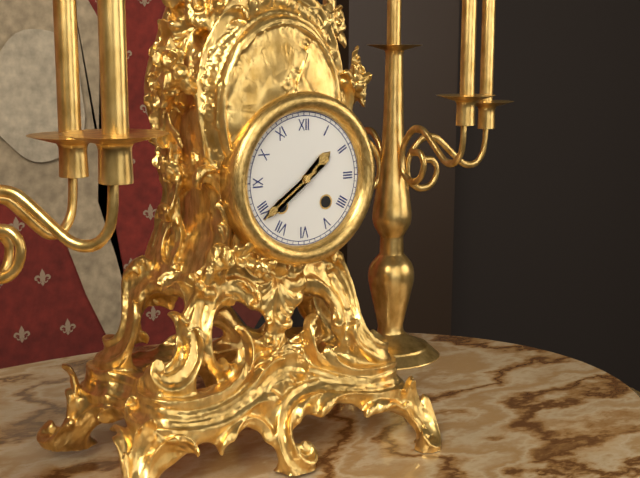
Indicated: 1 h 39 min
